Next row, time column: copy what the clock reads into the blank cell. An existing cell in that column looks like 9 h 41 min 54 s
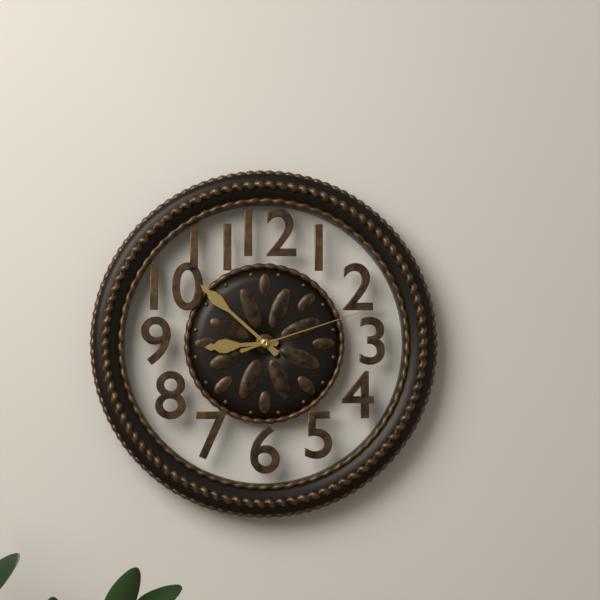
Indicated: 8 h 52 min 12 s
